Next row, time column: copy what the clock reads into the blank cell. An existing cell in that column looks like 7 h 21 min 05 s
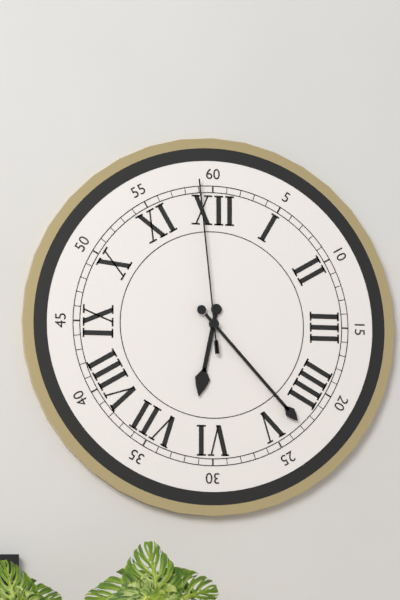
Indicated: 6 h 23 min 59 s
